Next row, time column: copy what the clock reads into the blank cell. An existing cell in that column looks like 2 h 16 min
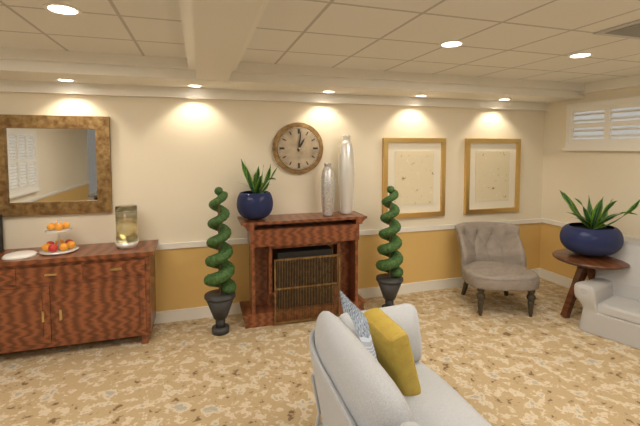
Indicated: 1 h 01 min
